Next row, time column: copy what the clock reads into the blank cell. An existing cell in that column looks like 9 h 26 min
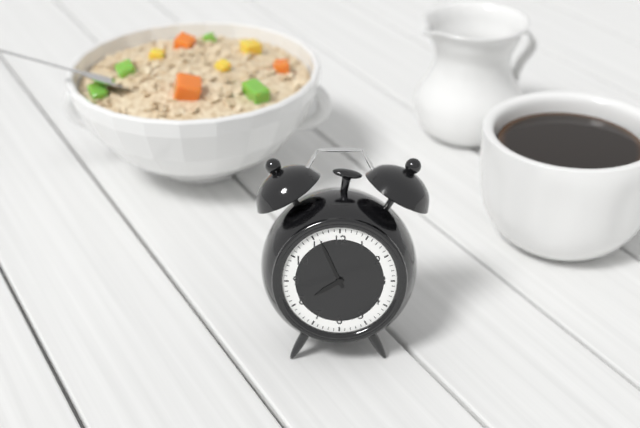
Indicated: 7 h 56 min
